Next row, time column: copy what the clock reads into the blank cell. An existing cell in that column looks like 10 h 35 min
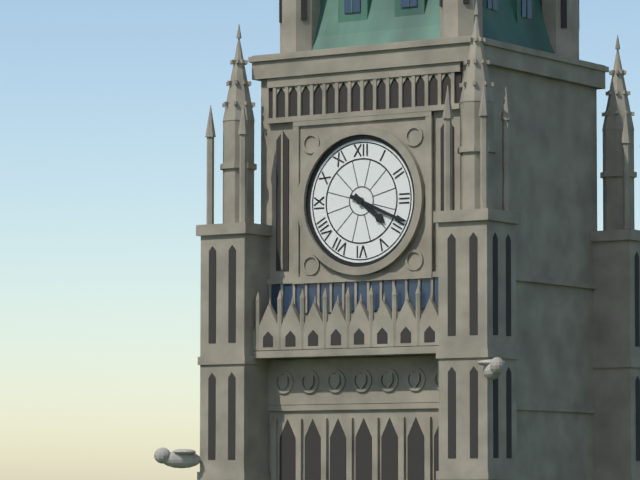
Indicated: 4 h 19 min
